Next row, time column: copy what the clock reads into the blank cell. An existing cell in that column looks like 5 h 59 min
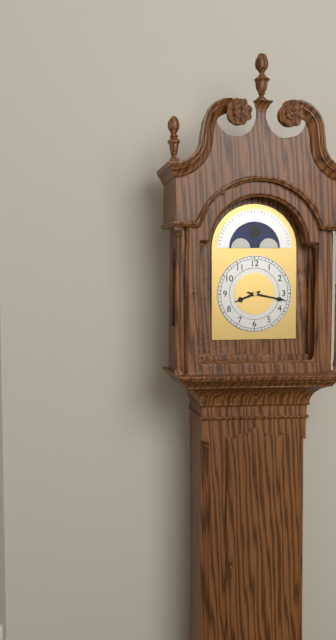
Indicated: 8 h 17 min
